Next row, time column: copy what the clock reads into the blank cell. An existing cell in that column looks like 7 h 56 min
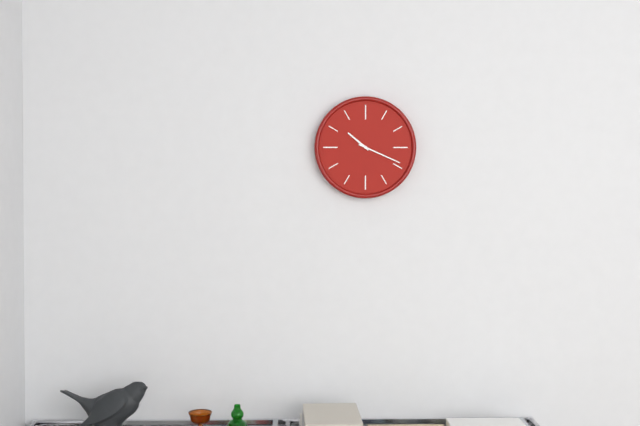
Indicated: 10 h 19 min
